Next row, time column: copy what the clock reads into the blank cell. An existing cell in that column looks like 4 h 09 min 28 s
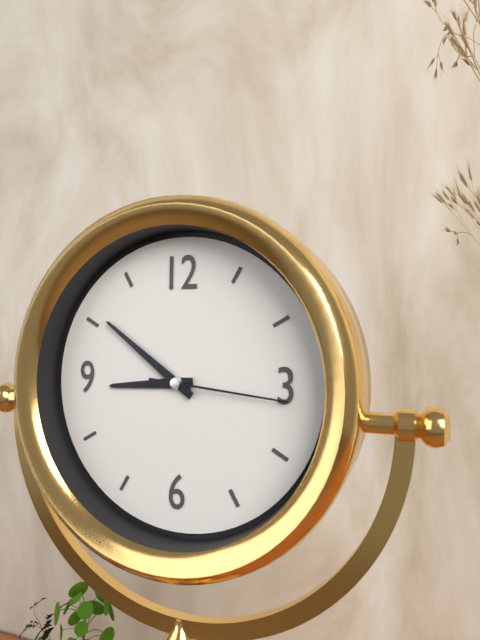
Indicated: 8 h 51 min 16 s
